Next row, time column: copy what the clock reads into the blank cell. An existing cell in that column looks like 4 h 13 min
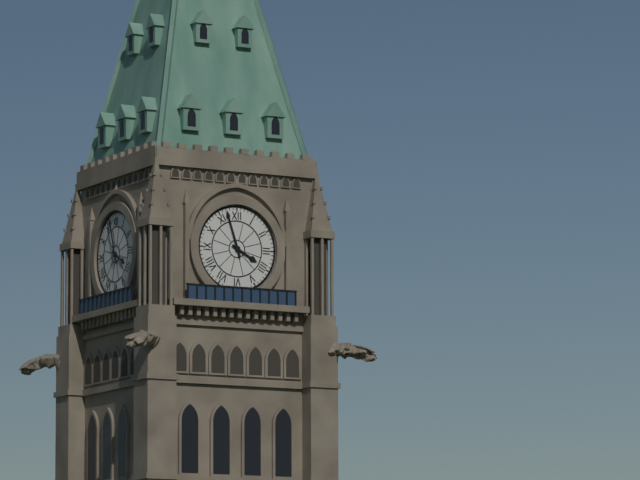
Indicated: 3 h 57 min
